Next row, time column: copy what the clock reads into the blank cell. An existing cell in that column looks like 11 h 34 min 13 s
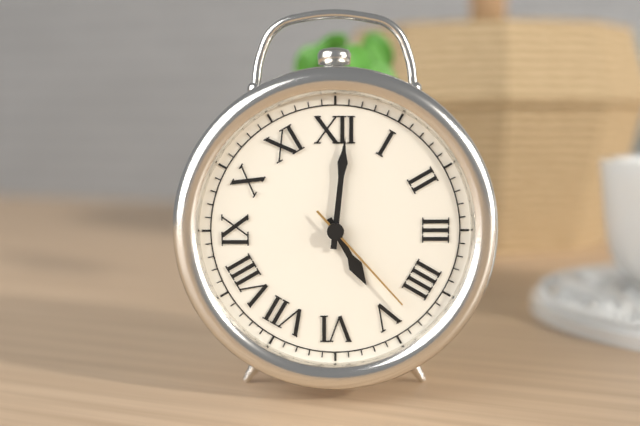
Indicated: 5 h 01 min 23 s
